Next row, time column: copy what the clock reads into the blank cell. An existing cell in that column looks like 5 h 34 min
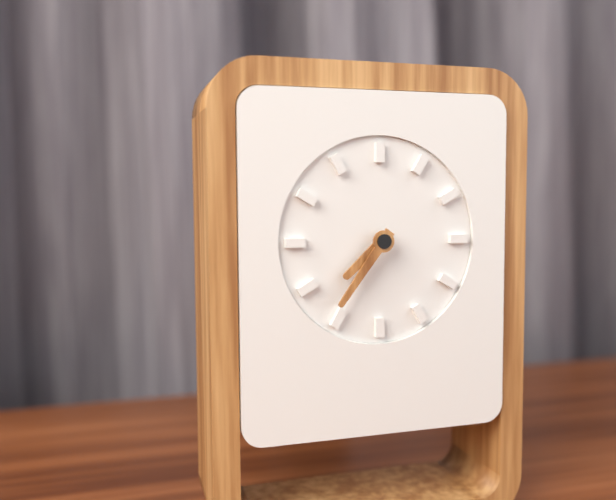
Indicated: 7 h 36 min
